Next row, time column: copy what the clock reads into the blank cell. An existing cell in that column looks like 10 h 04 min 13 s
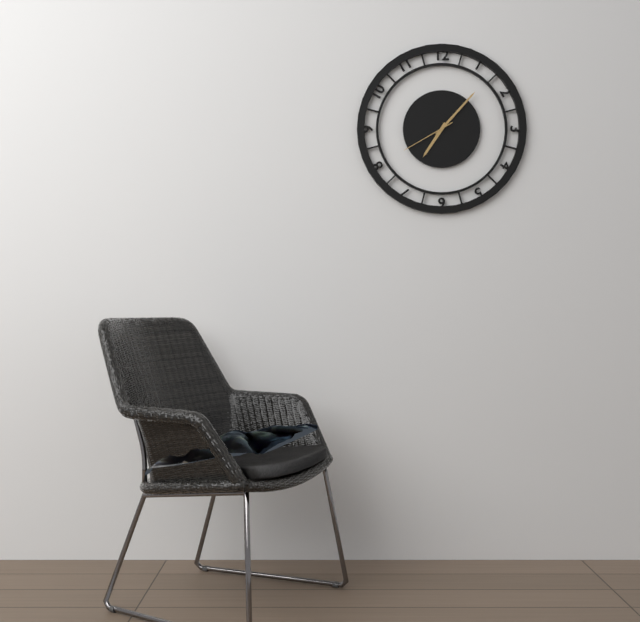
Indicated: 7 h 07 min 40 s
